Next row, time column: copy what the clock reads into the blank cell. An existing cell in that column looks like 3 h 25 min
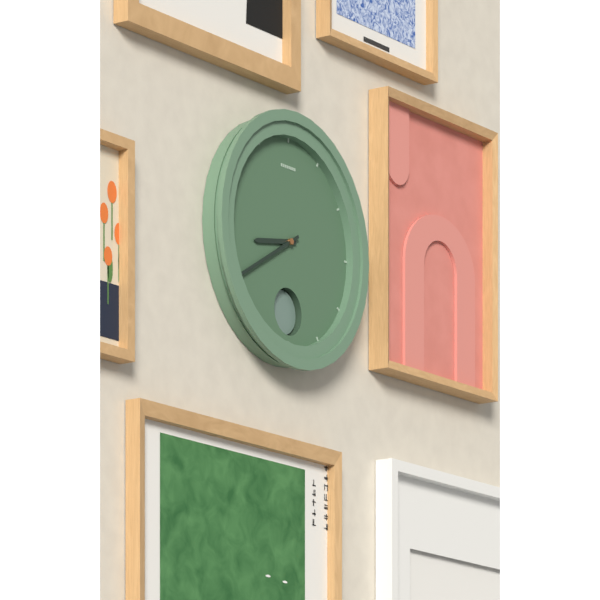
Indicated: 8 h 40 min
